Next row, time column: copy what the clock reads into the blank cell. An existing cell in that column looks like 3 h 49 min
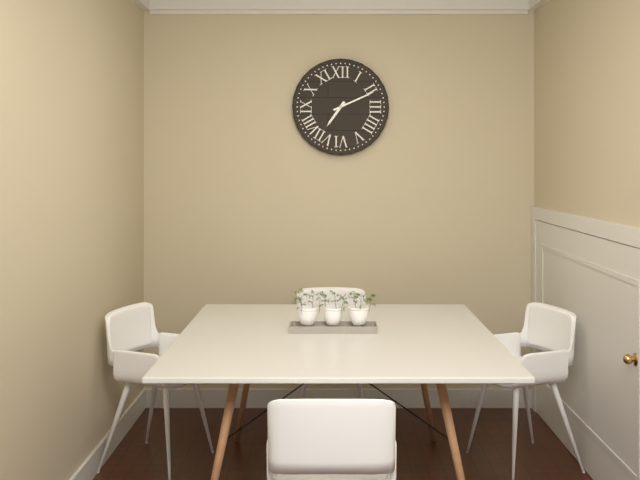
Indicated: 7 h 11 min
